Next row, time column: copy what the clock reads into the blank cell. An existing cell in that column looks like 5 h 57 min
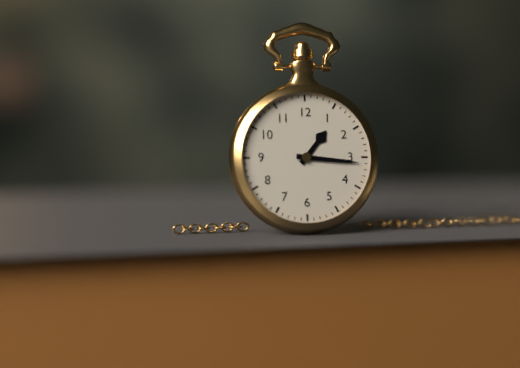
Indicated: 1 h 16 min
